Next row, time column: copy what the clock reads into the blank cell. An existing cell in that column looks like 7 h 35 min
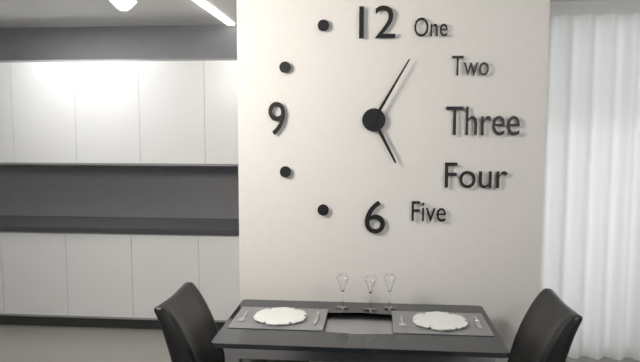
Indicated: 5 h 05 min
